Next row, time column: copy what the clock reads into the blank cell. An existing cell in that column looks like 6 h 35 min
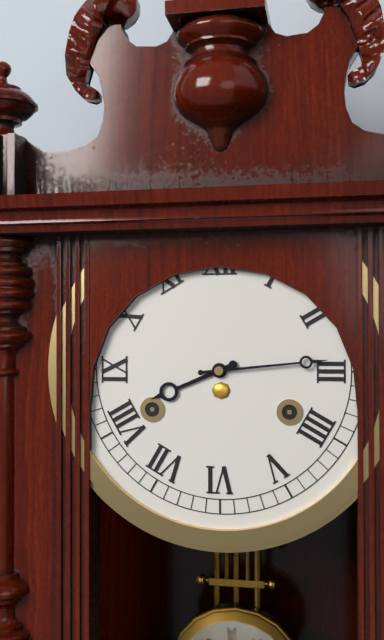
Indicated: 8 h 14 min
